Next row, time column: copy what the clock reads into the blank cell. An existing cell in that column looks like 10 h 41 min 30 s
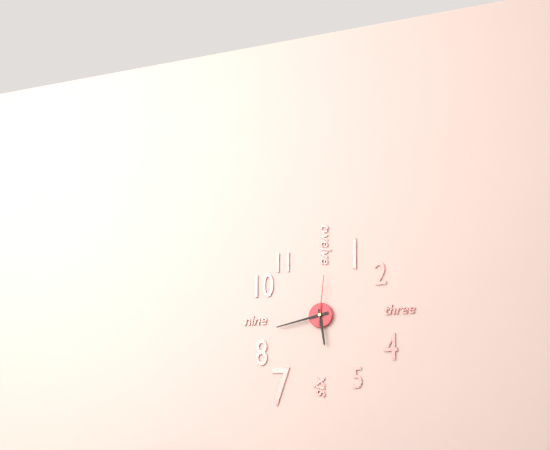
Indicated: 5 h 43 min 01 s
